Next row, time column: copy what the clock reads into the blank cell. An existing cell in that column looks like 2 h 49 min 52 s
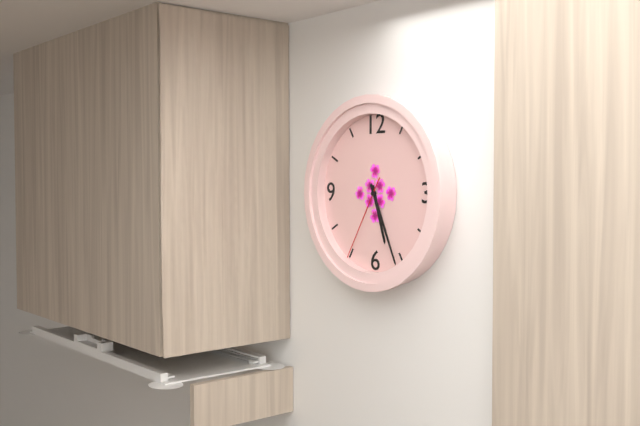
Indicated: 5 h 26 min 35 s
